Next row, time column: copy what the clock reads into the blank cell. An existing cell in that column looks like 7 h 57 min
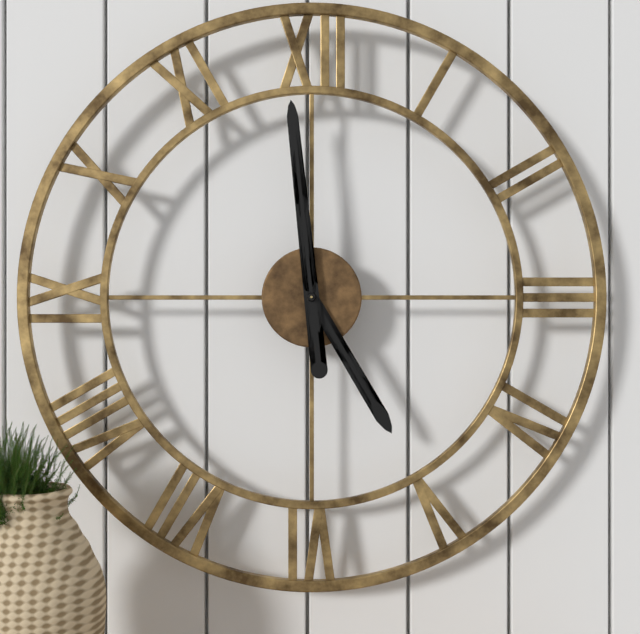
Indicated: 4 h 59 min
